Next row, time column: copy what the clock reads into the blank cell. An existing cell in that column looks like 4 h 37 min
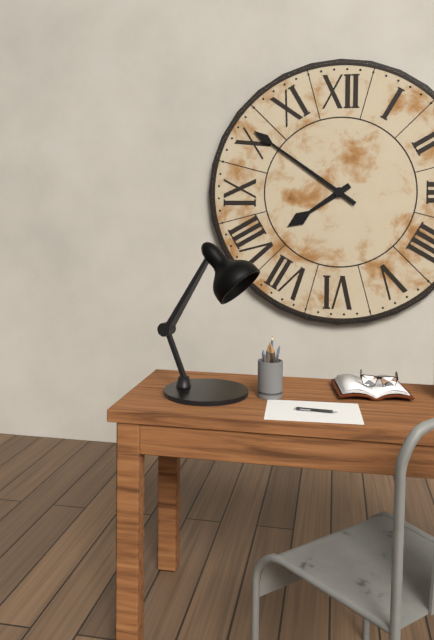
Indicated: 7 h 51 min
